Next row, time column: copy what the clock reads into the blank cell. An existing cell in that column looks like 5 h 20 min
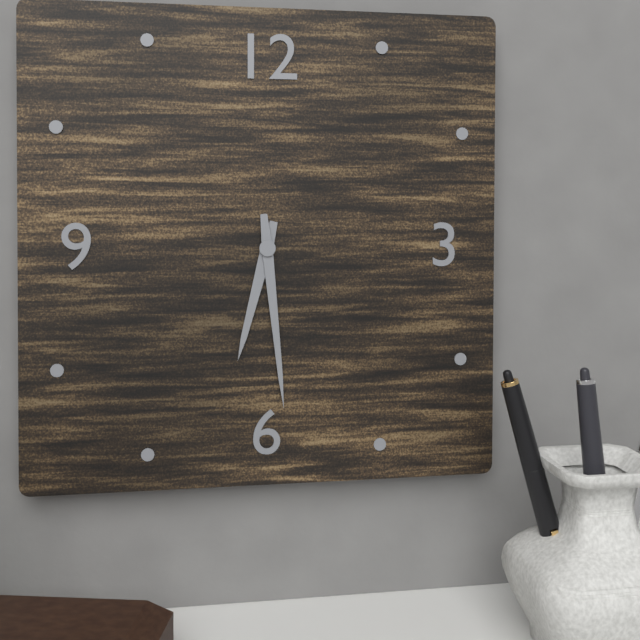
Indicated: 6 h 29 min
